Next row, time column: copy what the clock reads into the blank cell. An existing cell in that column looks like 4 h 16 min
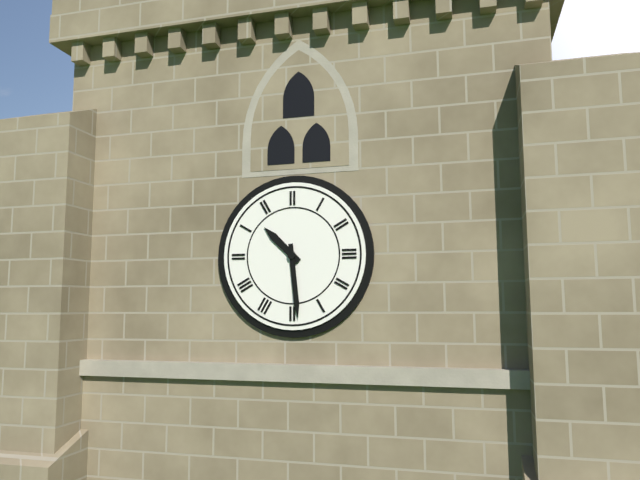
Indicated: 10 h 29 min
